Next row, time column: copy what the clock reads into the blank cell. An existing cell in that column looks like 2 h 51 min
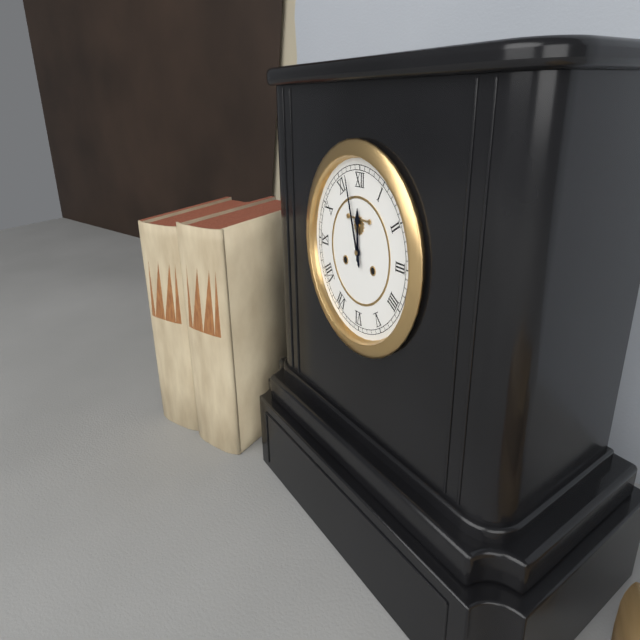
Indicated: 11 h 57 min
